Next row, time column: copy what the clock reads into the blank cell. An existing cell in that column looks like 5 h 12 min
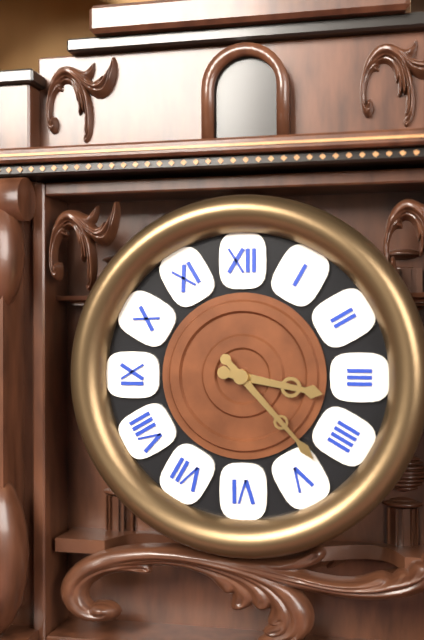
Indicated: 3 h 23 min
